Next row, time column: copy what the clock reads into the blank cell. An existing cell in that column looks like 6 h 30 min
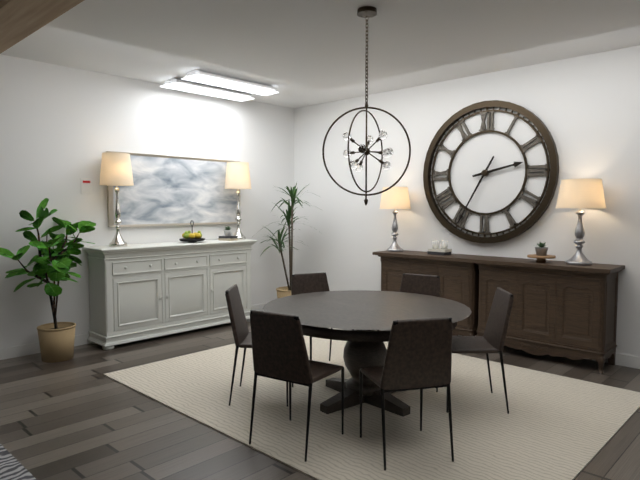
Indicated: 2 h 35 min
